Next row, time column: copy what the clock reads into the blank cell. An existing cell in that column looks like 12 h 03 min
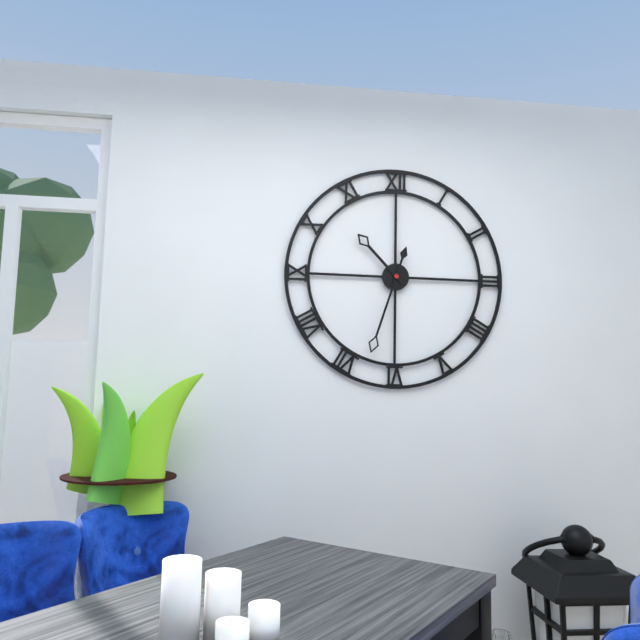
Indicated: 10 h 33 min
